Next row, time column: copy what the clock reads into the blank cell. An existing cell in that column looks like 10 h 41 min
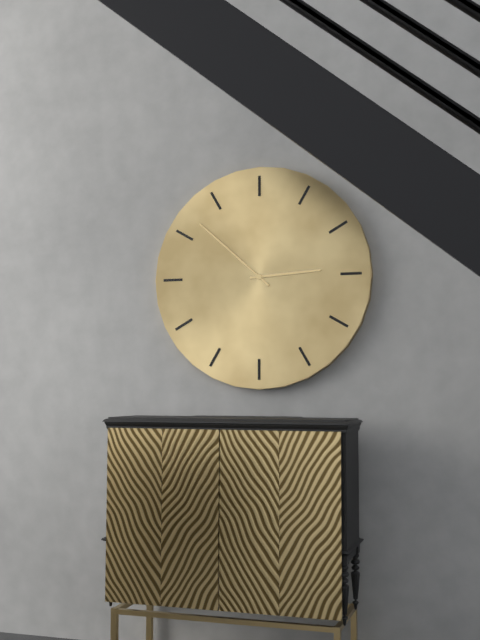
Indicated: 2 h 52 min
